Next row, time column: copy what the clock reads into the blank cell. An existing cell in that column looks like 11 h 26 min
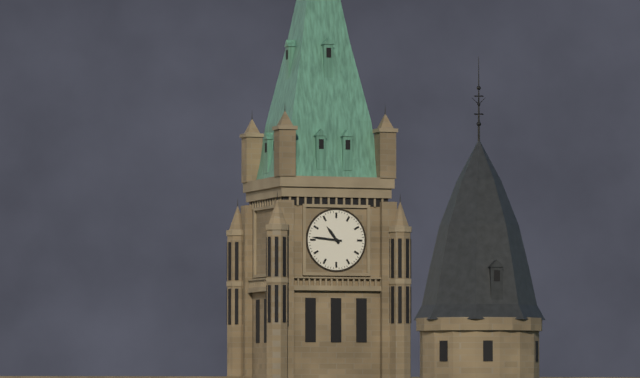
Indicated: 10 h 46 min
